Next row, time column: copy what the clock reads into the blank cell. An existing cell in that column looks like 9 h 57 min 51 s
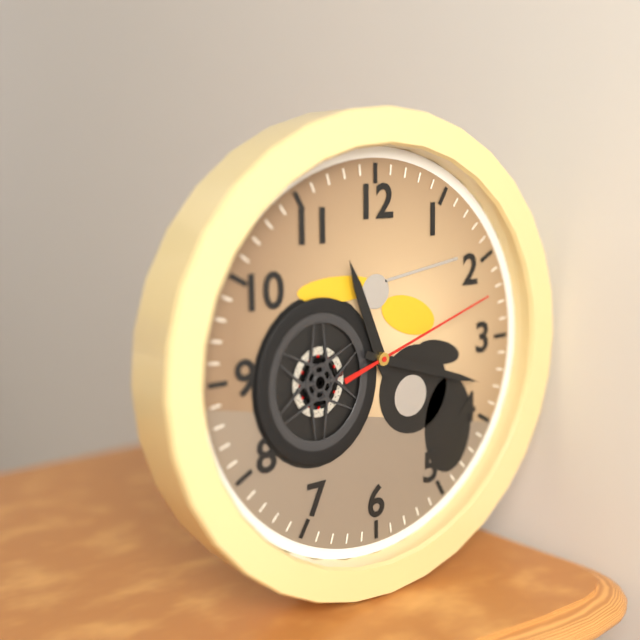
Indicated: 11 h 18 min 12 s
